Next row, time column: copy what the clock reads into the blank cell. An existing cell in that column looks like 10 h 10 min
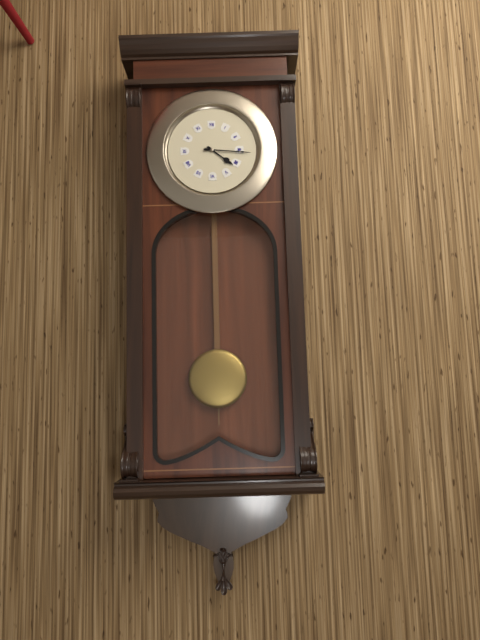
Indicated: 4 h 16 min
